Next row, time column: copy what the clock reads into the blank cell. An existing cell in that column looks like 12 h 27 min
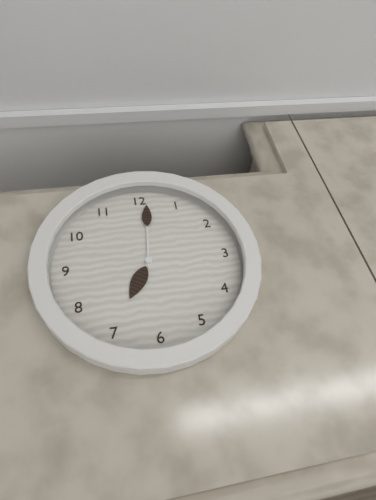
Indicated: 7 h 01 min
